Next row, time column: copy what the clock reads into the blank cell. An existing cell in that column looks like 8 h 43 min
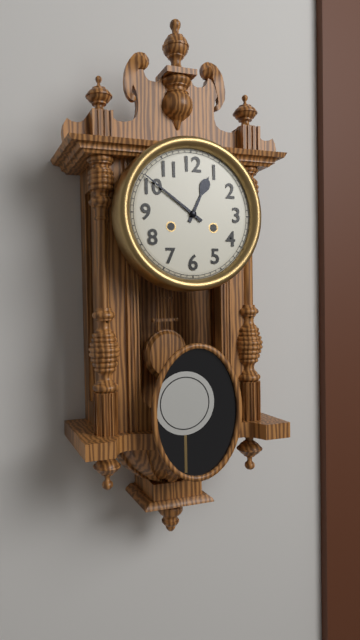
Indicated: 12 h 51 min
